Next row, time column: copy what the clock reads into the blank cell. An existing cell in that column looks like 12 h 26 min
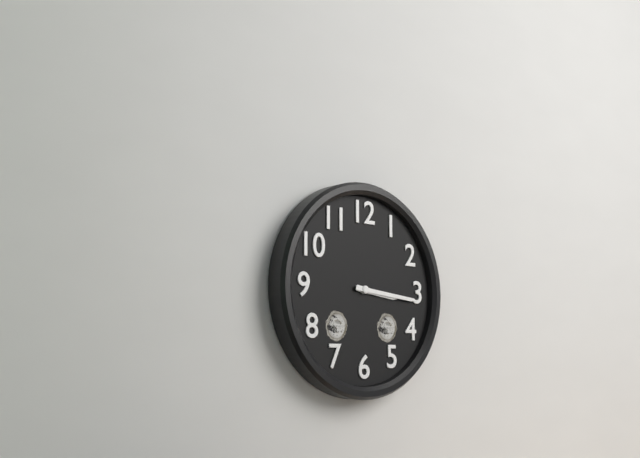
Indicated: 3 h 16 min
